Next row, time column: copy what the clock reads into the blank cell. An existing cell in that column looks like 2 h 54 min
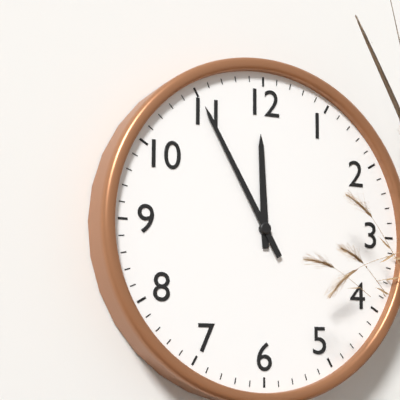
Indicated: 11 h 55 min
